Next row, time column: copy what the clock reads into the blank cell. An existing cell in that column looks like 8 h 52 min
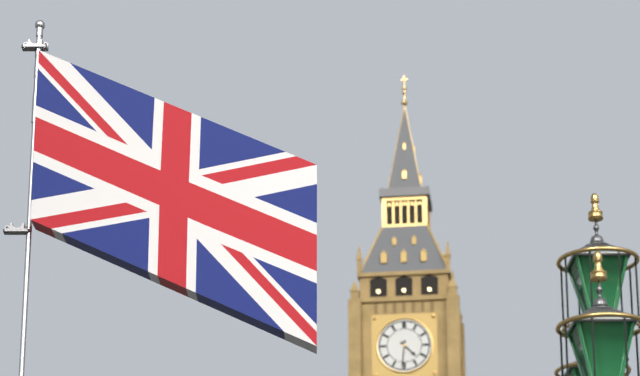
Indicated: 4 h 31 min
